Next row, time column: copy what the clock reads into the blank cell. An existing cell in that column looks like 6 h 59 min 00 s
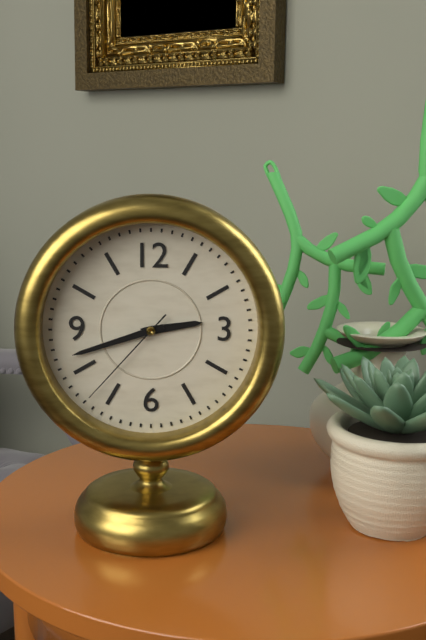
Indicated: 2 h 42 min 37 s
